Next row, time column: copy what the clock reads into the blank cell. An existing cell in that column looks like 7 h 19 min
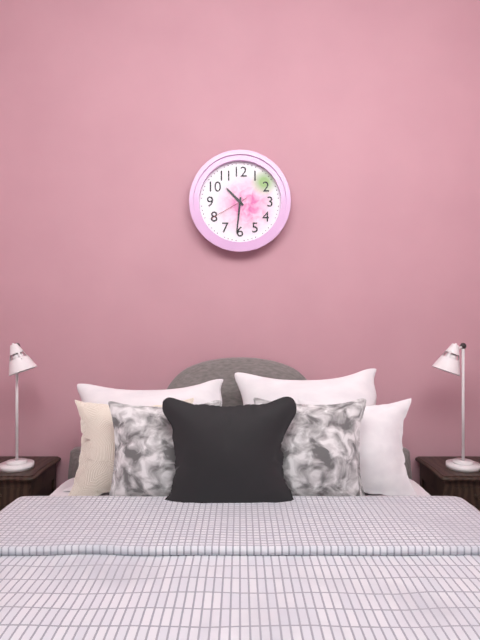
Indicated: 10 h 31 min
